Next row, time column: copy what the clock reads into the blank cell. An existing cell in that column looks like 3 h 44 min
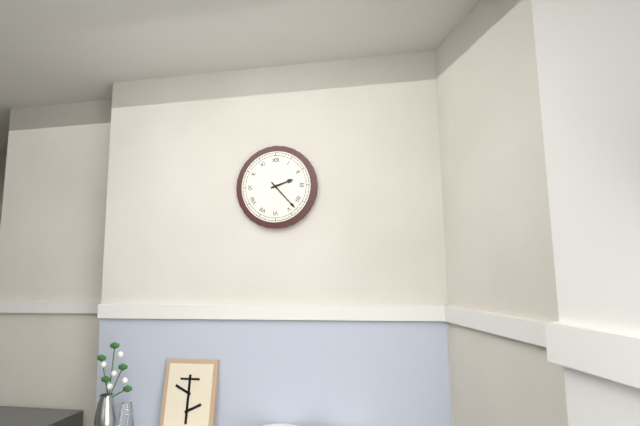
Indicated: 2 h 23 min
